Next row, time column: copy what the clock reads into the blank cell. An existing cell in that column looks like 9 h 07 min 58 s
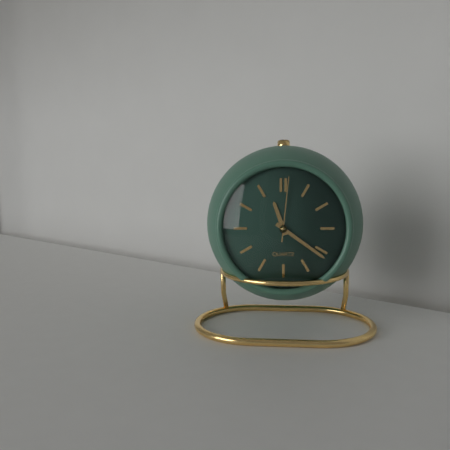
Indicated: 11 h 21 min 01 s
